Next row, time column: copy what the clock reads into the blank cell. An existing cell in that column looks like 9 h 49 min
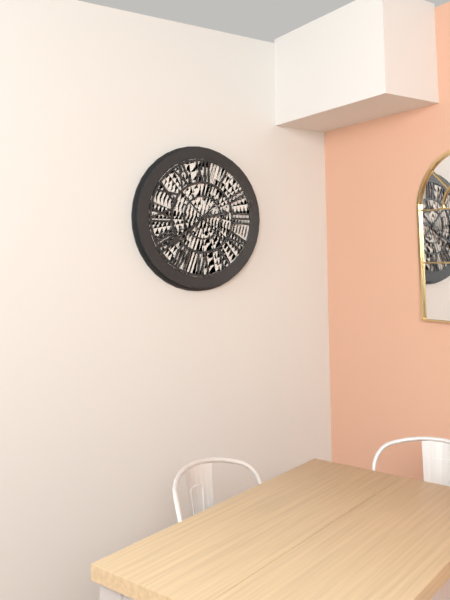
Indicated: 2 h 39 min
